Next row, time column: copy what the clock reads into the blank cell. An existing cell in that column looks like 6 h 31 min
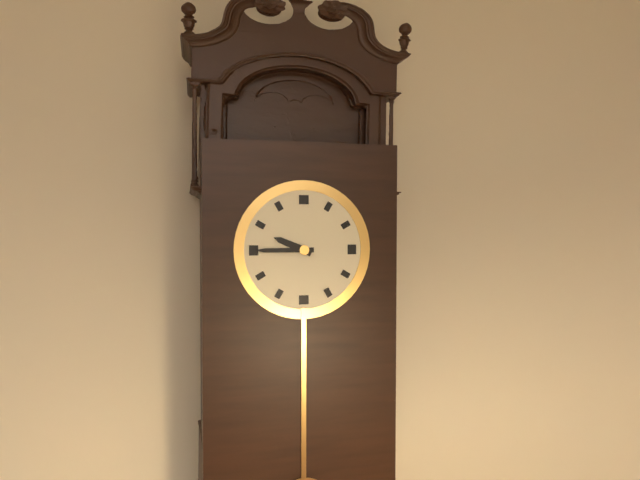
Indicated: 9 h 45 min
